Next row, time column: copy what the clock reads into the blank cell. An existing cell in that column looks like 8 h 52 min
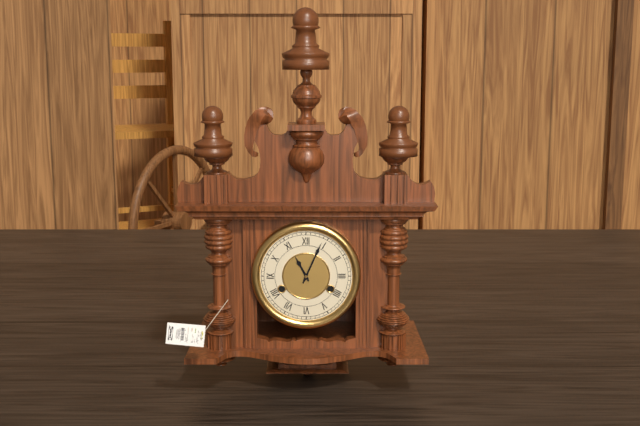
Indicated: 11 h 04 min
